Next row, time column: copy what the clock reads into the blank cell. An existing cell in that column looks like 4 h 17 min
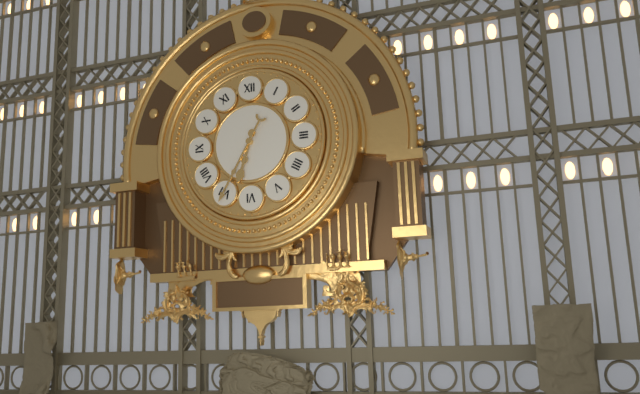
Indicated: 6 h 35 min
